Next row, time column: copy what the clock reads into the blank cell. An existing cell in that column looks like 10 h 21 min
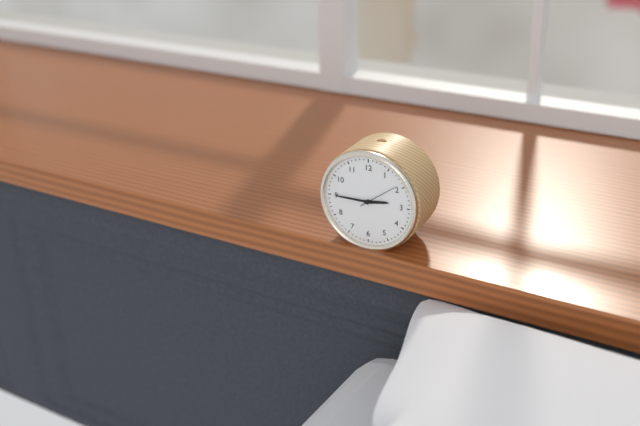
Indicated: 2 h 45 min
